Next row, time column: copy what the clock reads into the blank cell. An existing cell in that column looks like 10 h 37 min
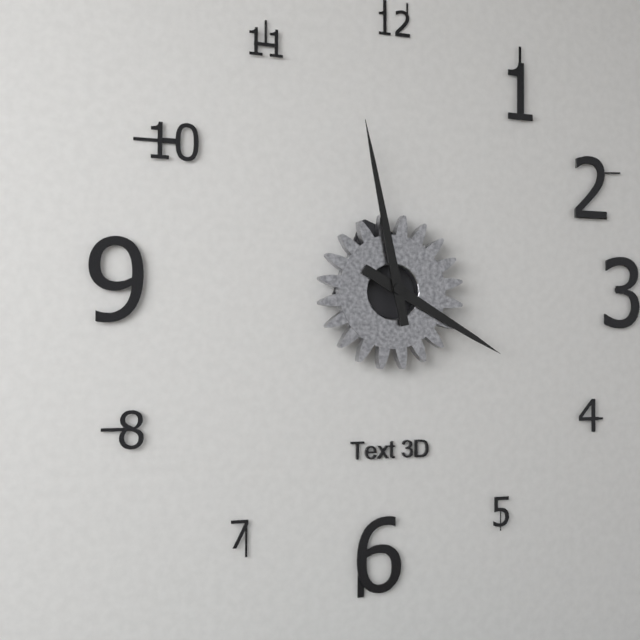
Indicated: 3 h 58 min
